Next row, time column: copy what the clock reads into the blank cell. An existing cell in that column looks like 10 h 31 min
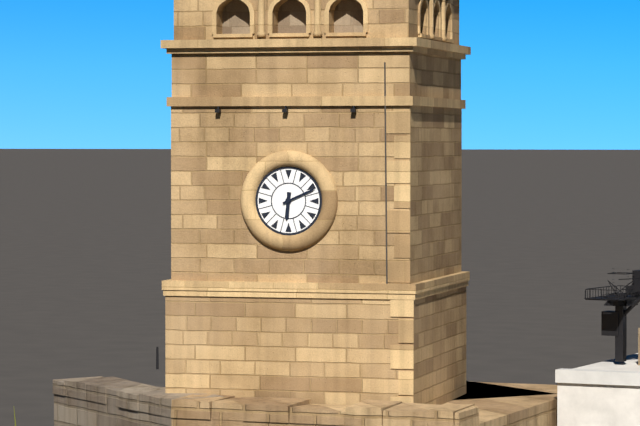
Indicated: 6 h 11 min
